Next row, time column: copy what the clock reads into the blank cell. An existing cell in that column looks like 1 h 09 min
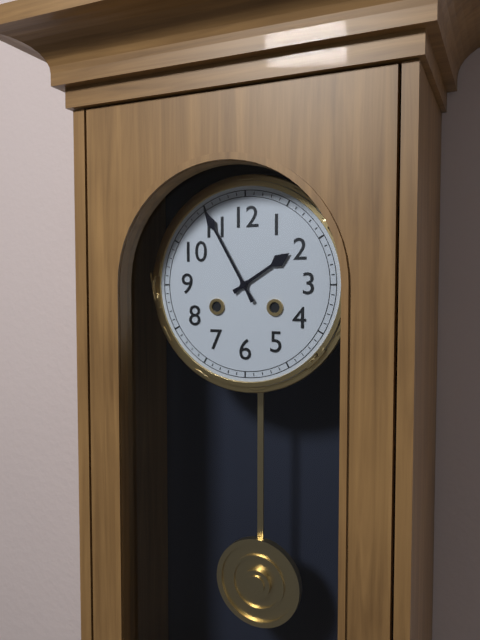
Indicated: 1 h 55 min
